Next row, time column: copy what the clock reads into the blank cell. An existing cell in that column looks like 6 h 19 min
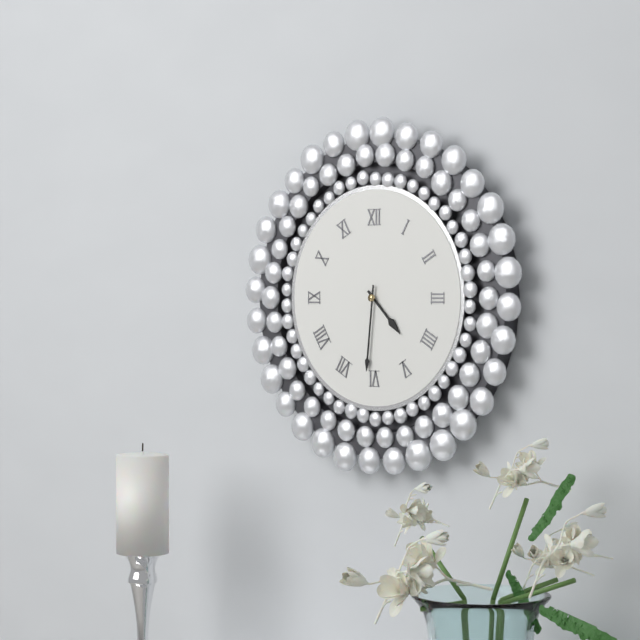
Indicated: 4 h 31 min
